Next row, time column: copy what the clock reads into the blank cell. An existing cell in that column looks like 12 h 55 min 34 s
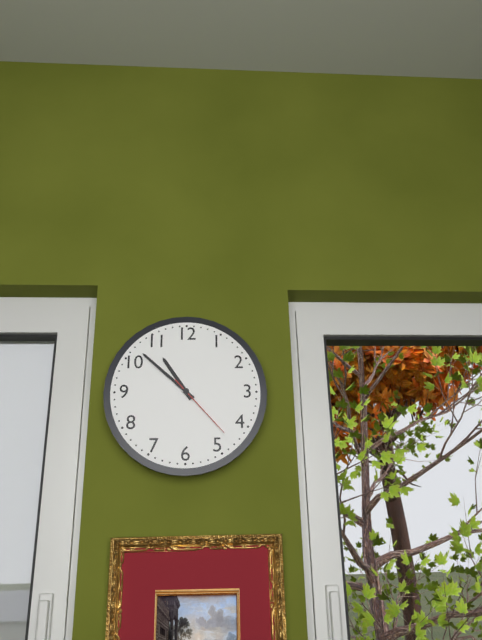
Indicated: 10 h 52 min 23 s
